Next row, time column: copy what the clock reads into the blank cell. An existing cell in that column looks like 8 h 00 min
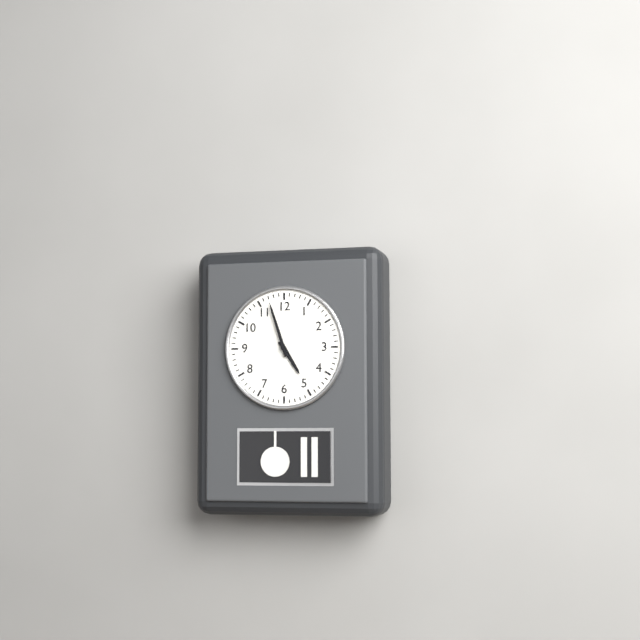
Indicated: 4 h 57 min
